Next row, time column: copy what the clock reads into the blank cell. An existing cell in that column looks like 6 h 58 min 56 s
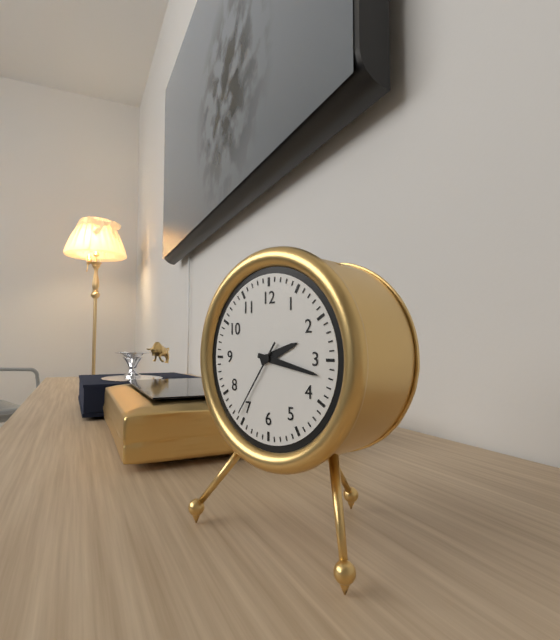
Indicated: 2 h 17 min 36 s
